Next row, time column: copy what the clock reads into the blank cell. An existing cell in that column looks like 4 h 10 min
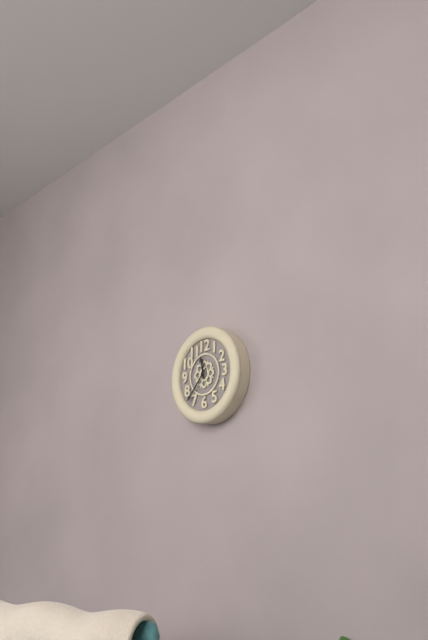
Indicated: 11 h 37 min
